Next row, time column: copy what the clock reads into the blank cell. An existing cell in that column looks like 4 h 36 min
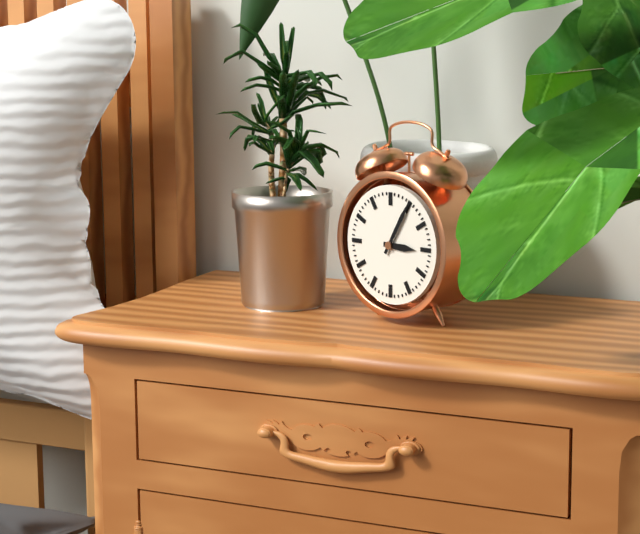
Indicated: 3 h 05 min
